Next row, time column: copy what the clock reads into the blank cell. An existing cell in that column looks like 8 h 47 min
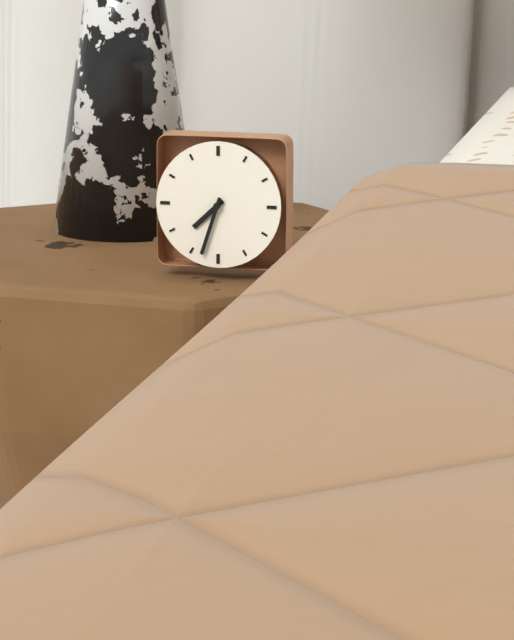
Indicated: 7 h 33 min
